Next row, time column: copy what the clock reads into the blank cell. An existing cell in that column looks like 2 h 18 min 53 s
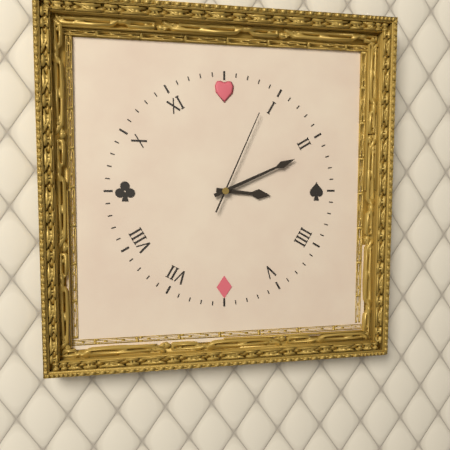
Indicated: 3 h 11 min 04 s
